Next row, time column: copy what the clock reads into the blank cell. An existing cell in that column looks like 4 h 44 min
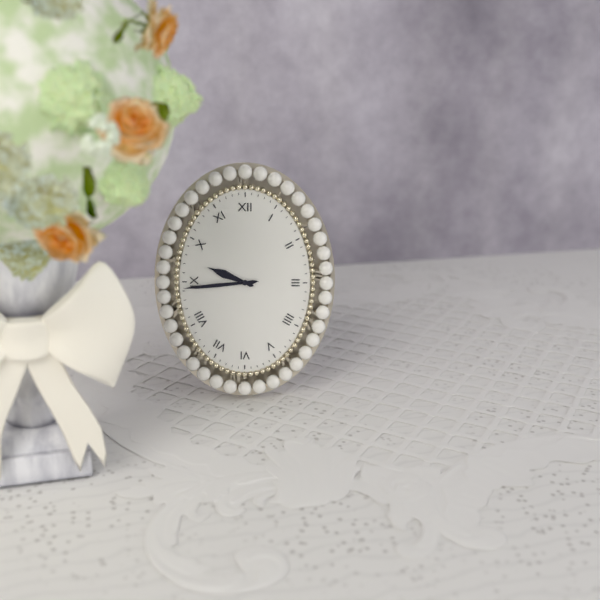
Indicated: 9 h 44 min
